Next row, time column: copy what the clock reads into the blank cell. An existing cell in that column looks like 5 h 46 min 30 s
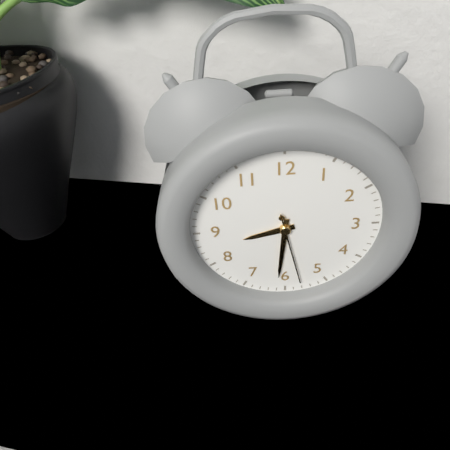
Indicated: 8 h 31 min 28 s
